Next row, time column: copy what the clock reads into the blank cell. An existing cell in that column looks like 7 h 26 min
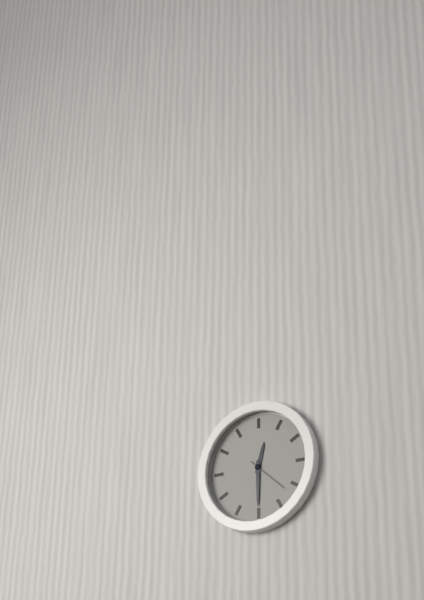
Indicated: 12 h 30 min
